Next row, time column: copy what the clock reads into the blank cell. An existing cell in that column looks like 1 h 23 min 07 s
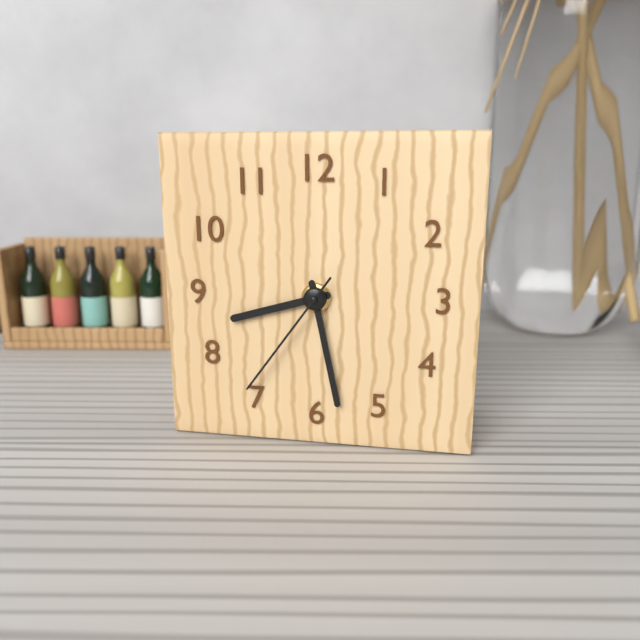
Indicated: 8 h 28 min 36 s
